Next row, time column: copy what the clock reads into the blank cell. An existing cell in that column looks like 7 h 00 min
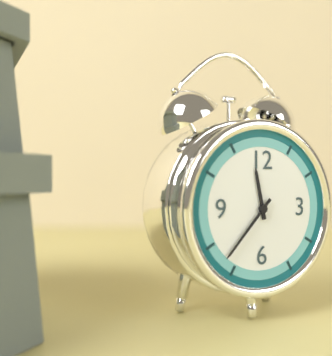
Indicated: 11 h 37 min
